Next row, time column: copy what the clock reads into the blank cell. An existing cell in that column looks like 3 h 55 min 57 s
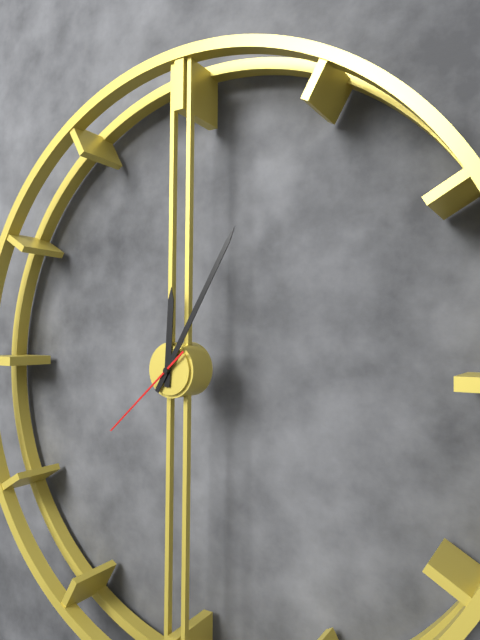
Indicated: 12 h 05 min 38 s
